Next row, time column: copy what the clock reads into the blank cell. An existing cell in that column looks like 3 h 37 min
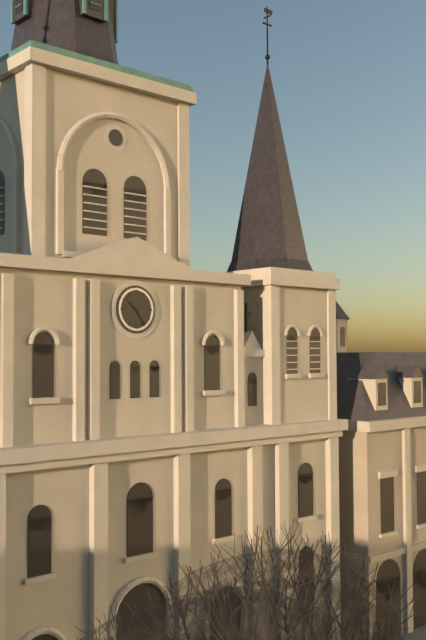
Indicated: 10 h 24 min
